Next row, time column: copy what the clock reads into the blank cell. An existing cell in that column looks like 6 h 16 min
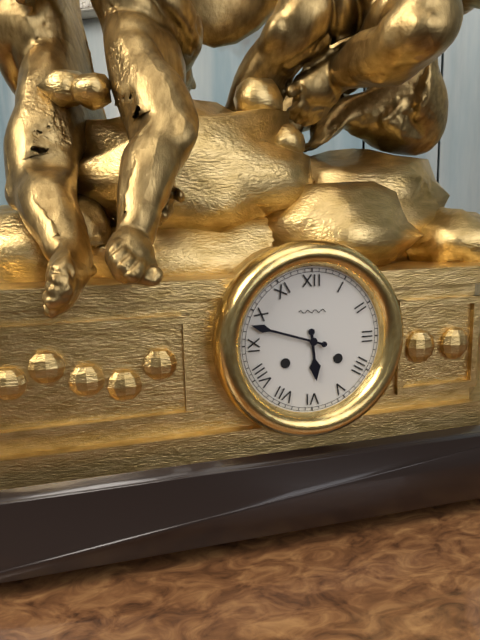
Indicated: 5 h 48 min
